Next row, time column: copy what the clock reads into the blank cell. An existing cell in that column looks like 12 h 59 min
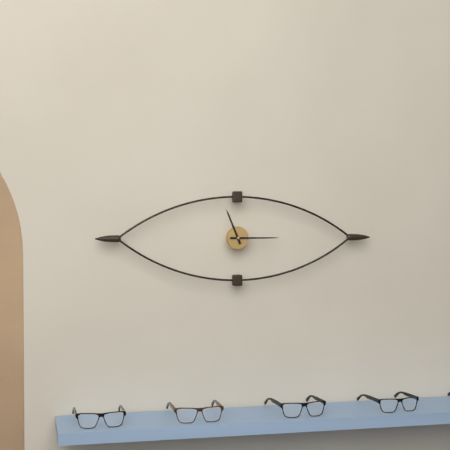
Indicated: 11 h 15 min
